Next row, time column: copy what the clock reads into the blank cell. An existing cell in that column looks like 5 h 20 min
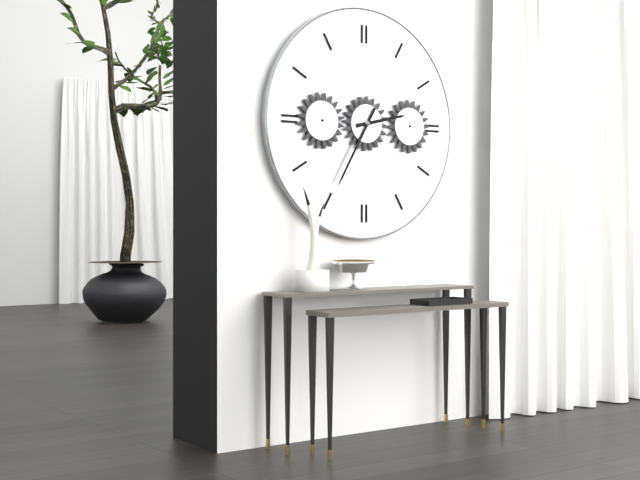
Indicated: 2 h 35 min
